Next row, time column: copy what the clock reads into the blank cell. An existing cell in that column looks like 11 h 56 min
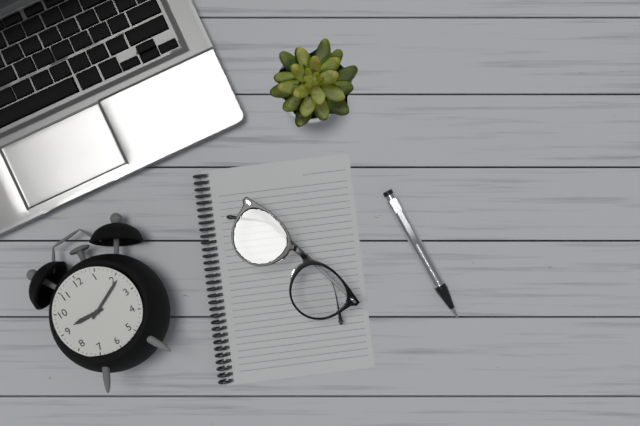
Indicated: 9 h 11 min
